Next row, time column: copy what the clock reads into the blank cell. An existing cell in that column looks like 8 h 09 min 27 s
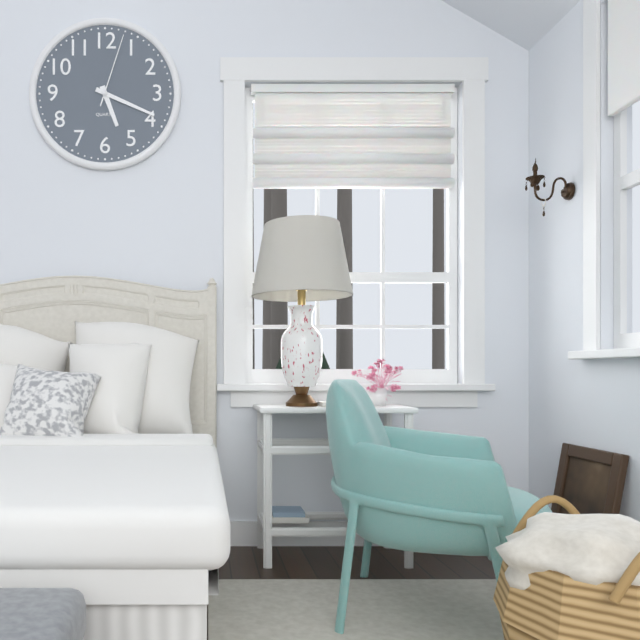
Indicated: 5 h 19 min 03 s
